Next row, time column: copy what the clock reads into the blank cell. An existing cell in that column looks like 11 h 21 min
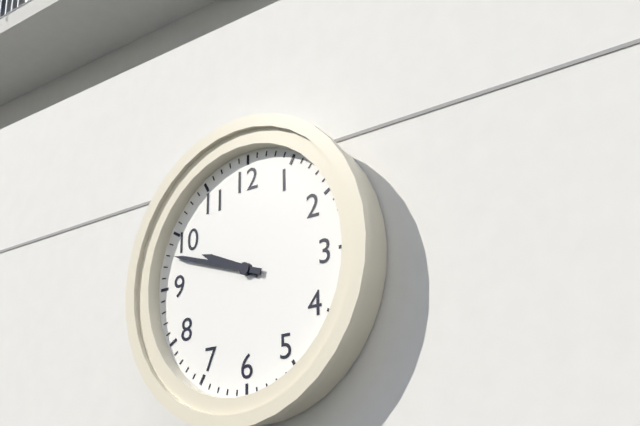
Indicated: 9 h 48 min
